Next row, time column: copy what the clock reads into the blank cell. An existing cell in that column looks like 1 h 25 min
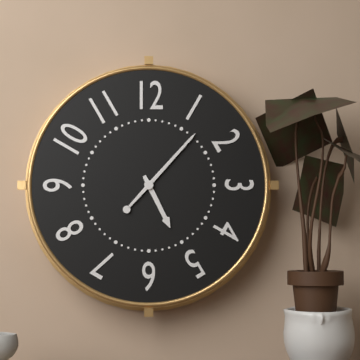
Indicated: 5 h 07 min
